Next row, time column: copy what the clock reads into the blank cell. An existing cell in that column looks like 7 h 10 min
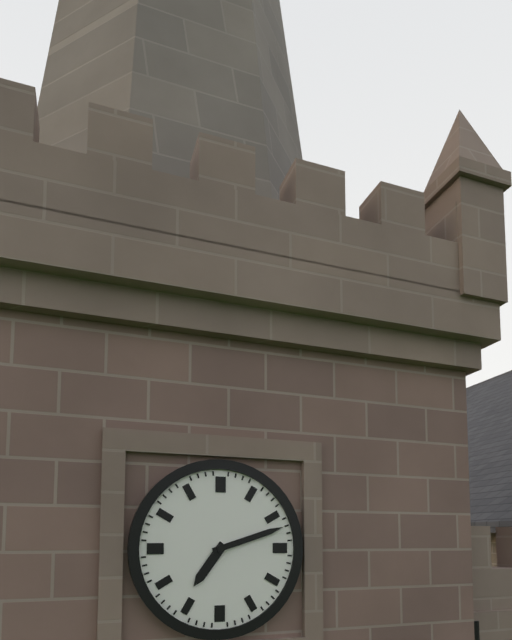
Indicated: 7 h 12 min
